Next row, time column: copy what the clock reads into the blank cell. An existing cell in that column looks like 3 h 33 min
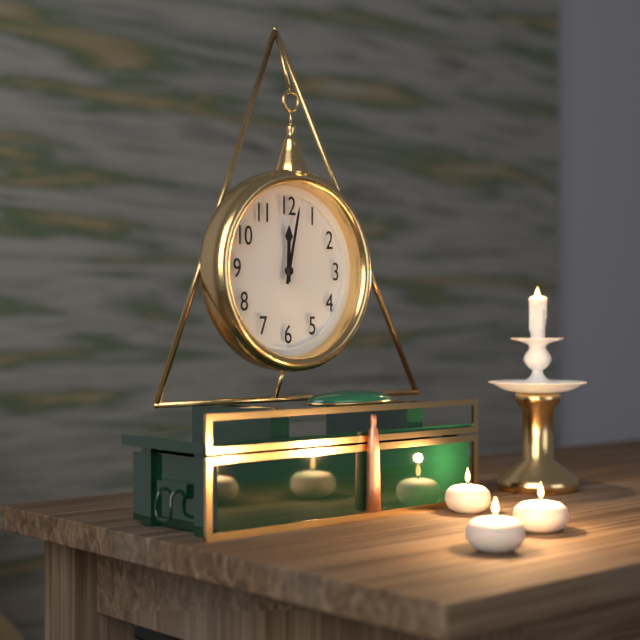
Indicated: 12 h 02 min
